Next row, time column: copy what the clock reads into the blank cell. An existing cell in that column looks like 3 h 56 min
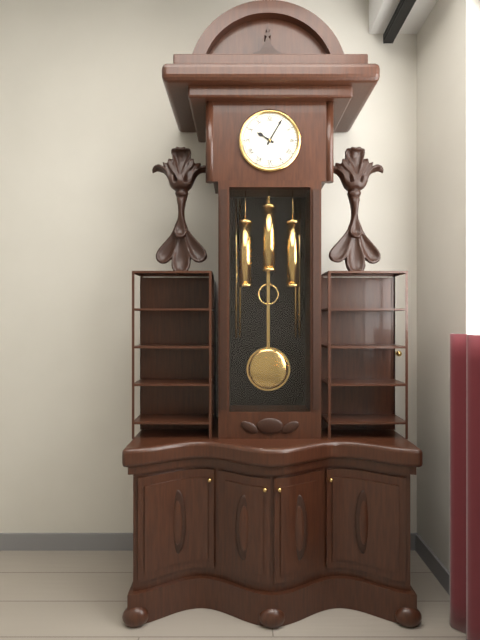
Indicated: 10 h 05 min
